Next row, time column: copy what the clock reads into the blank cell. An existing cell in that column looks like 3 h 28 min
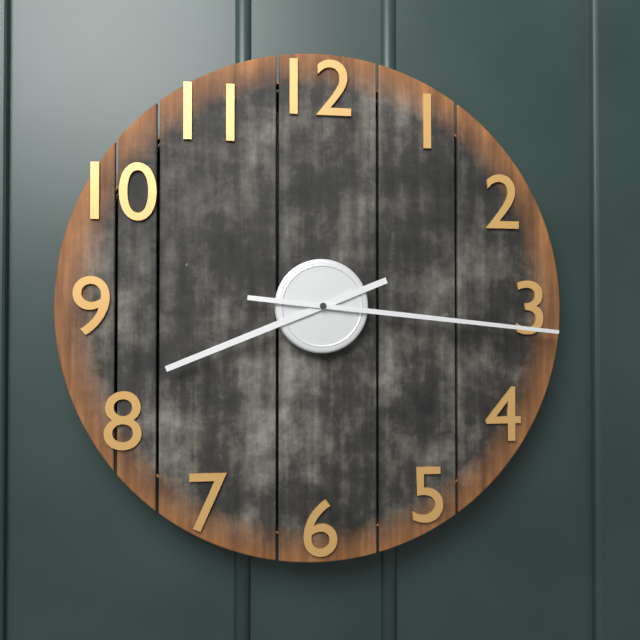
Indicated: 8 h 16 min
